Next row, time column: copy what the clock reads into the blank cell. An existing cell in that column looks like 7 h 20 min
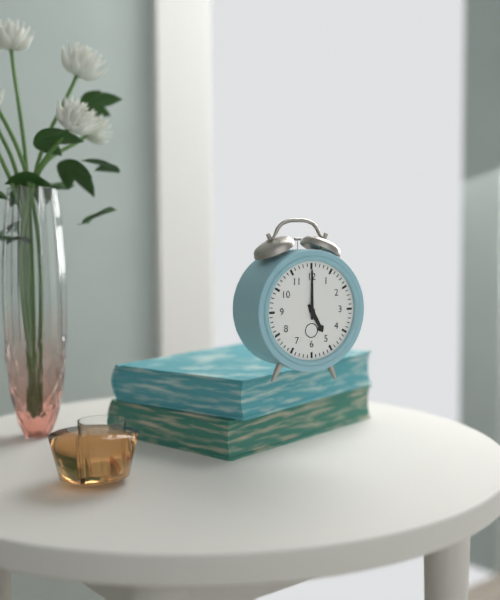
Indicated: 5 h 00 min
